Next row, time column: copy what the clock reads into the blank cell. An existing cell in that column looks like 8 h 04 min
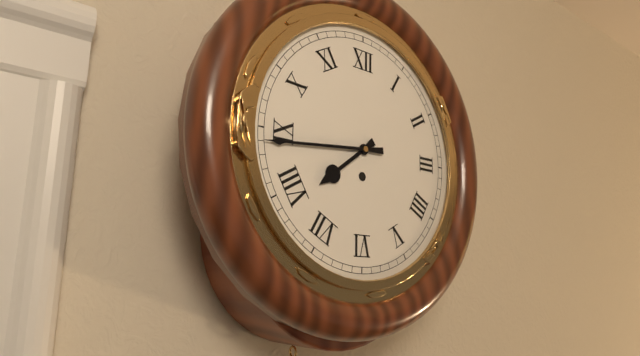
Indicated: 7 h 44 min
